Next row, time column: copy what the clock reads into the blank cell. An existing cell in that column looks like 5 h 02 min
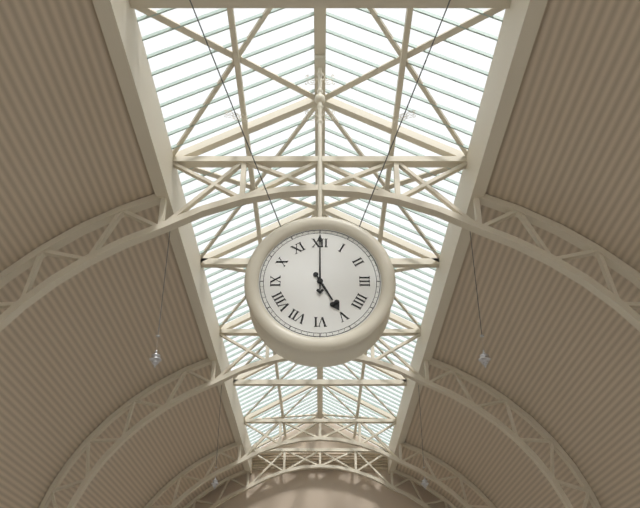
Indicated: 5 h 00 min
